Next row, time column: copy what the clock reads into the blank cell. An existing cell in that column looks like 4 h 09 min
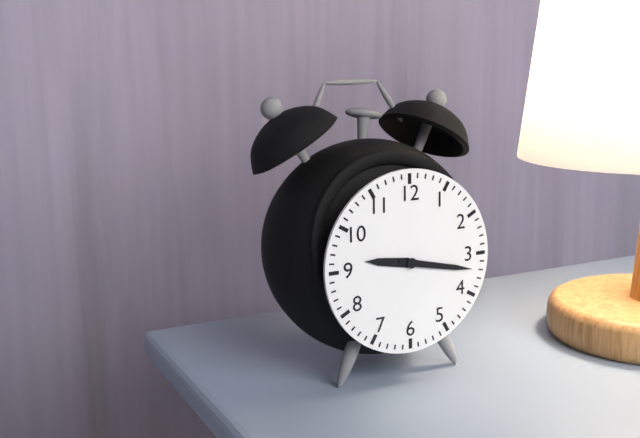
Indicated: 9 h 17 min
